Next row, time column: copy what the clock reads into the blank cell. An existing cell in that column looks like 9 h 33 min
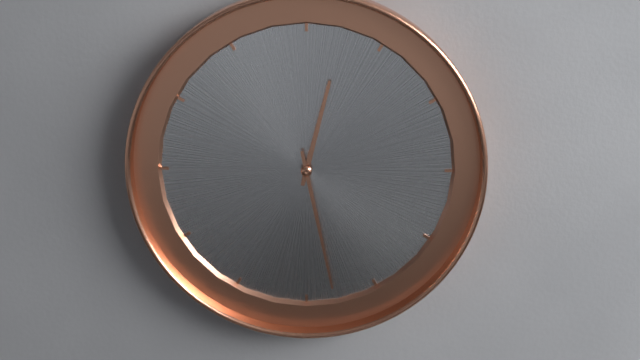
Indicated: 12 h 28 min
